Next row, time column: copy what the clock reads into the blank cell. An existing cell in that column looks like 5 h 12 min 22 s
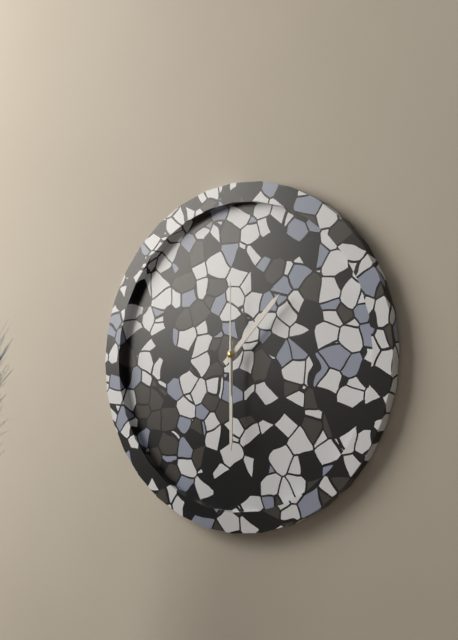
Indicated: 1 h 30 min 00 s
